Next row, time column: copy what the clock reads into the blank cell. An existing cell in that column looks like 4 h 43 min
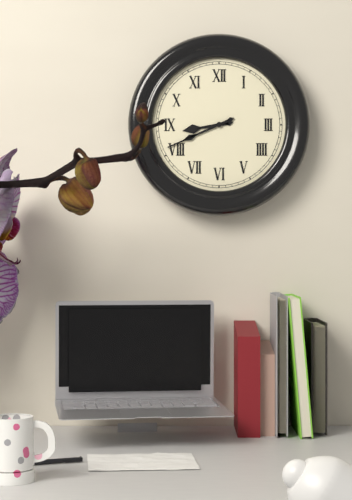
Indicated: 8 h 41 min
